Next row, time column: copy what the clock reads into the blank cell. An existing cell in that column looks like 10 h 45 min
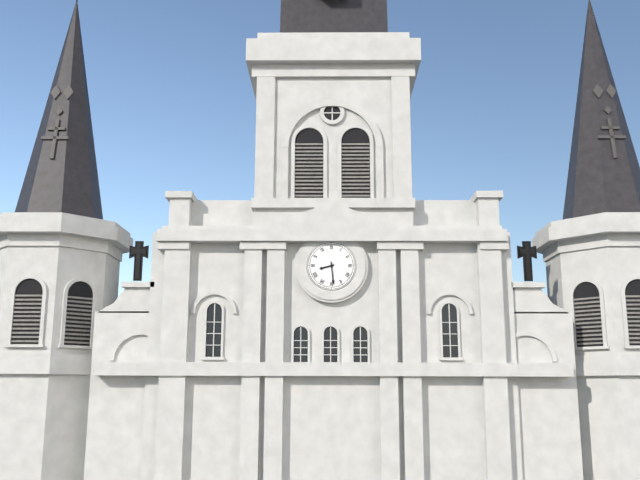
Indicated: 8 h 29 min
